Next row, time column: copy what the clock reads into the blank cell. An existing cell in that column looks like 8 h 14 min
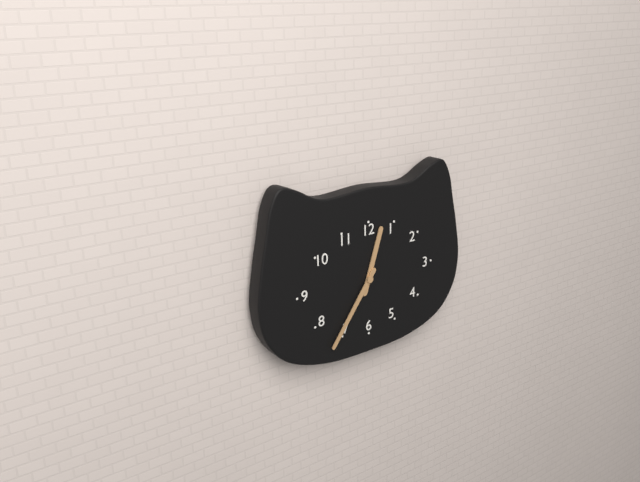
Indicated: 12 h 36 min
